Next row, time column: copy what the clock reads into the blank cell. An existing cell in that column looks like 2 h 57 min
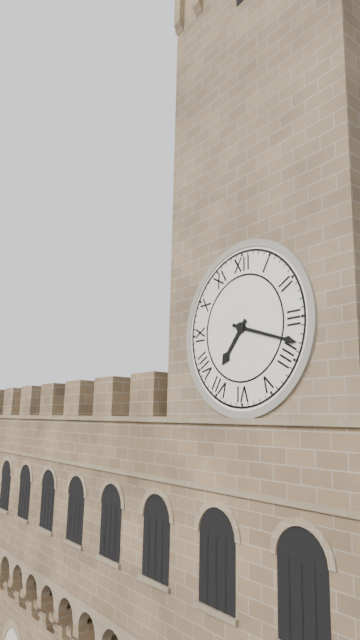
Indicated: 7 h 18 min
